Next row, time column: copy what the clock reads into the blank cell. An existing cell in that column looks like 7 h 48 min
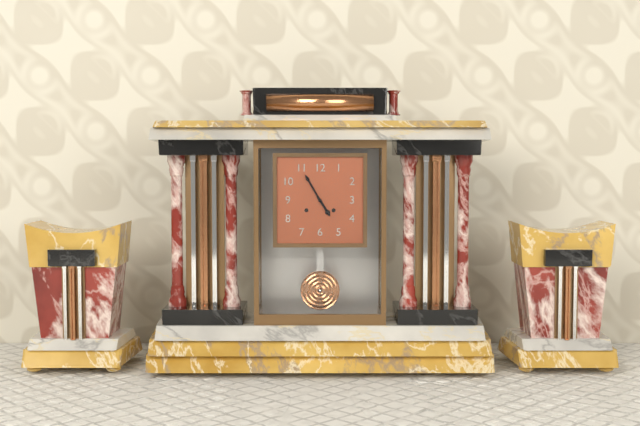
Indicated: 4 h 55 min
